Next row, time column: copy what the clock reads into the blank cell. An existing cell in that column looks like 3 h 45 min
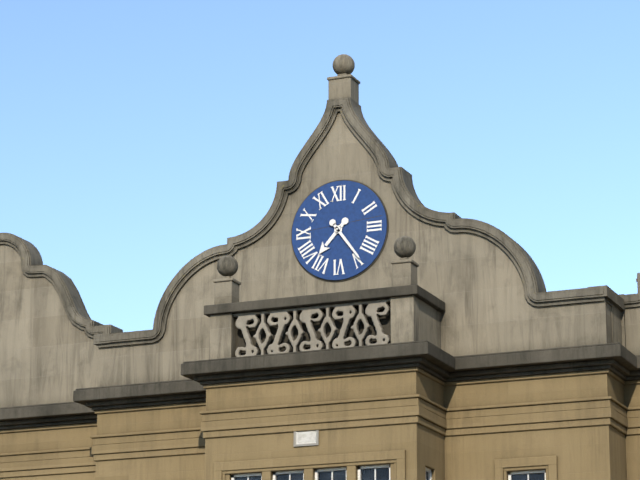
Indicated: 7 h 24 min
